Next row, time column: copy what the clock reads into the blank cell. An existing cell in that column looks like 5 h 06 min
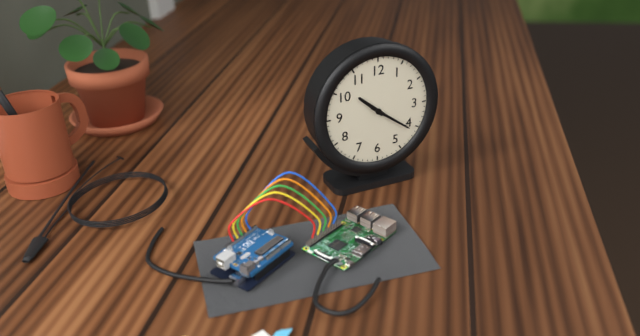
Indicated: 10 h 21 min
